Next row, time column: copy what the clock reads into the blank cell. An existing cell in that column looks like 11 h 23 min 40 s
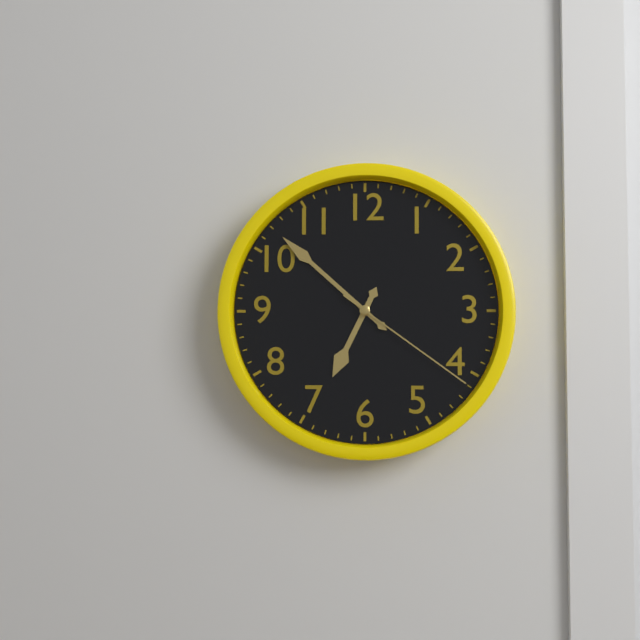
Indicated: 6 h 52 min 21 s
